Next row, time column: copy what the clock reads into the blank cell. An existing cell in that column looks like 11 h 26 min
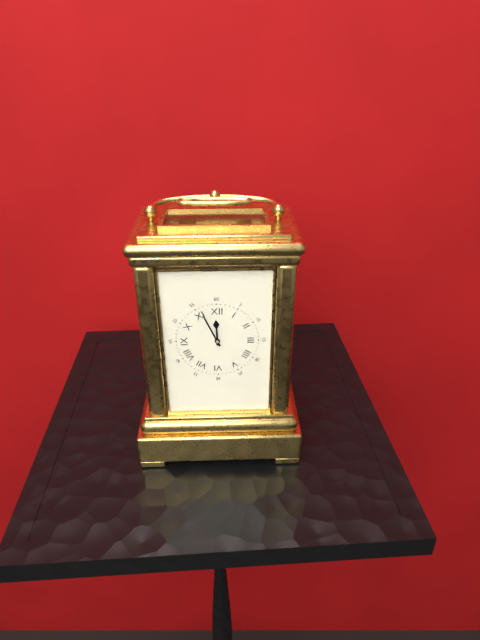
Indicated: 11 h 56 min
